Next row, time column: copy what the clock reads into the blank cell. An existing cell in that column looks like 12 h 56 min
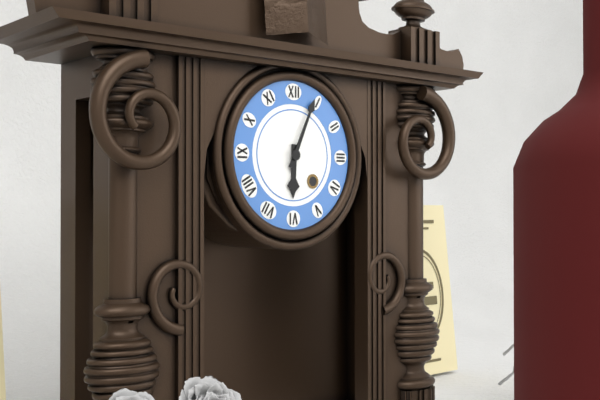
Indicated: 6 h 04 min
